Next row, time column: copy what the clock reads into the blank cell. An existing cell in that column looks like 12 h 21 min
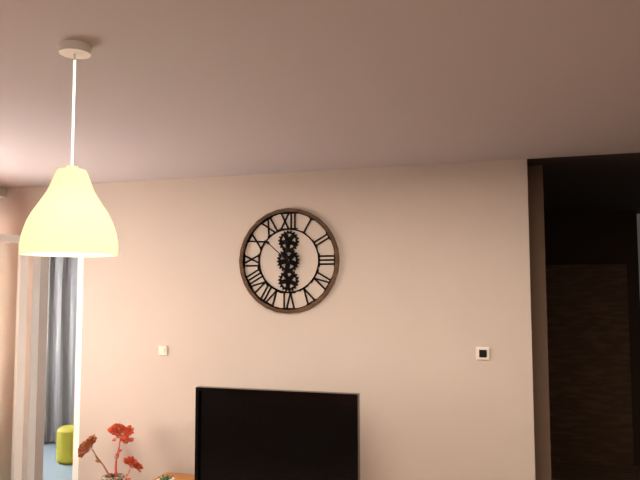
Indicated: 11 h 52 min
